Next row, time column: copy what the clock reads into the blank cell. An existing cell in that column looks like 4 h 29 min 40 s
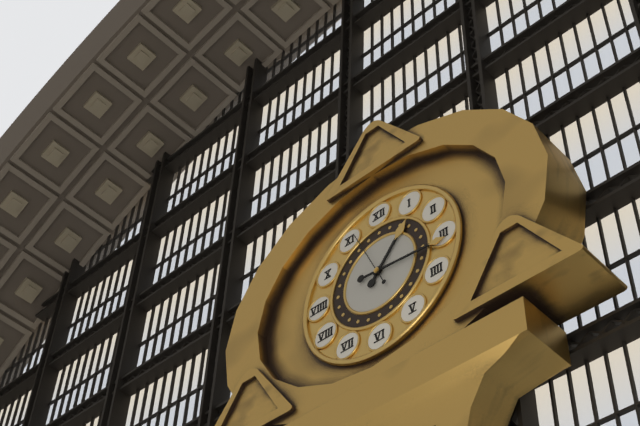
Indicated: 1 h 16 min 56 s
